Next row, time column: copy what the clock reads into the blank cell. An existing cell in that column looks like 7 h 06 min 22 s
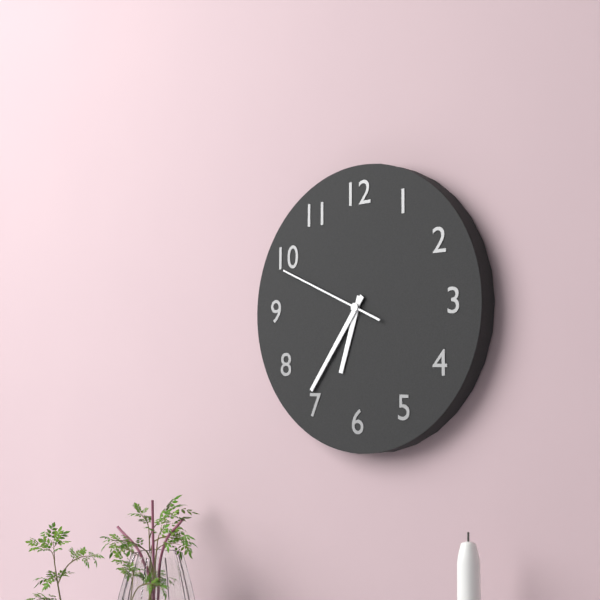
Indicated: 6 h 36 min 49 s
